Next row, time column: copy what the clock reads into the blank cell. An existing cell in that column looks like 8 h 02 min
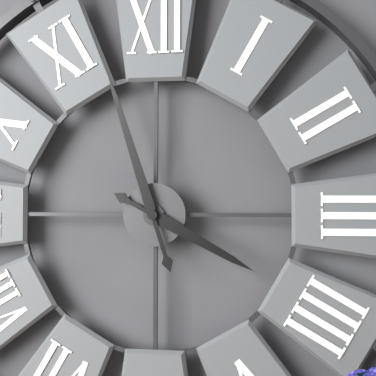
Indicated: 3 h 57 min
